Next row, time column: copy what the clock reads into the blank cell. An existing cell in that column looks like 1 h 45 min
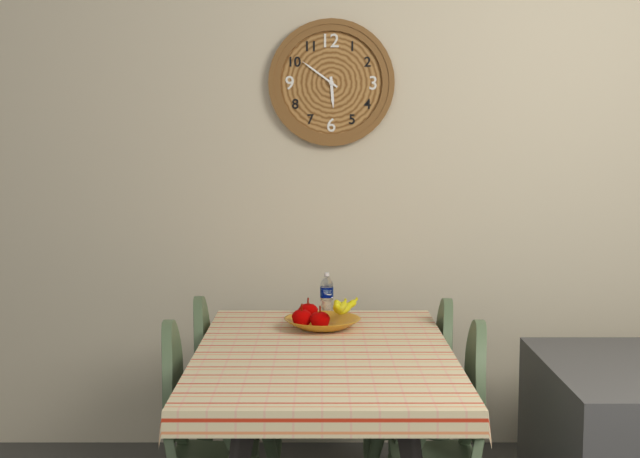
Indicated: 5 h 51 min
